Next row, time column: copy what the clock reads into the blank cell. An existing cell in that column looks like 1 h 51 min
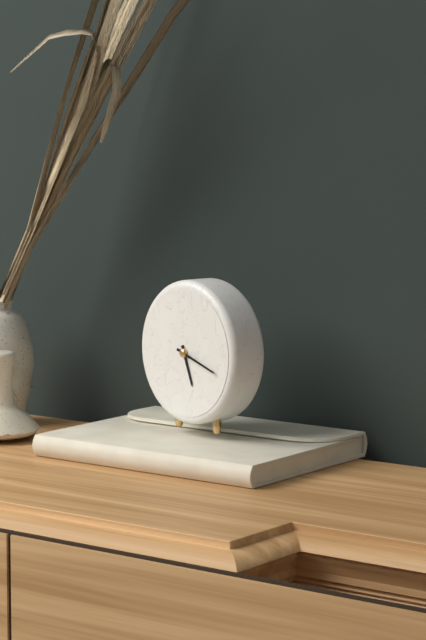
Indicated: 5 h 18 min
